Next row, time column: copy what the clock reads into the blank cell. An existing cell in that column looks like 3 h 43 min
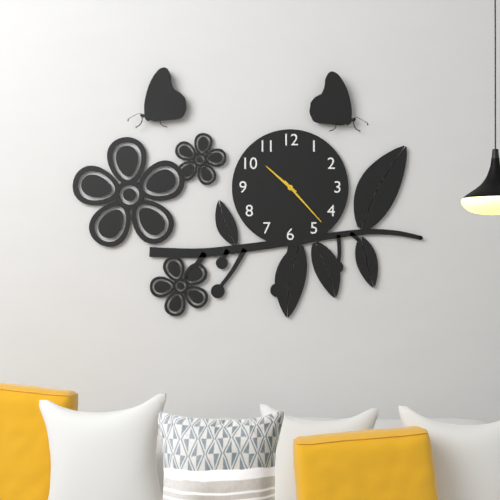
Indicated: 10 h 23 min
